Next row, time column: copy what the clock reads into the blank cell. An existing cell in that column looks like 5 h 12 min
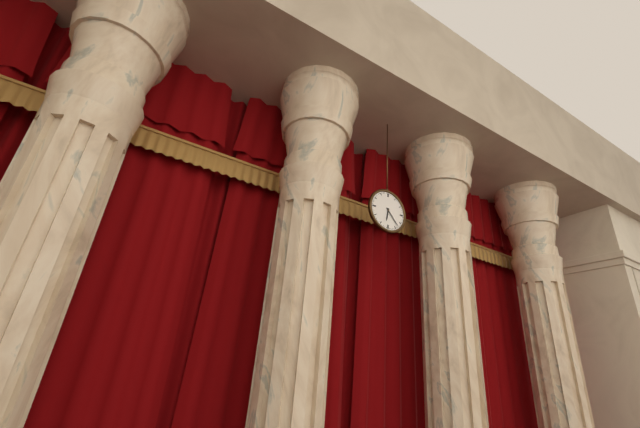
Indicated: 6 h 23 min
